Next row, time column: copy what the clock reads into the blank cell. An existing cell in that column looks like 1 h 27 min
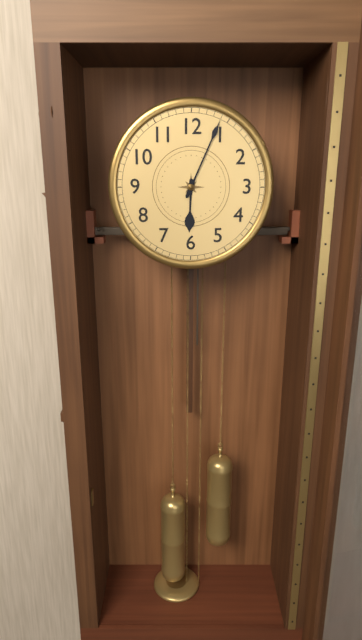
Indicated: 6 h 04 min
